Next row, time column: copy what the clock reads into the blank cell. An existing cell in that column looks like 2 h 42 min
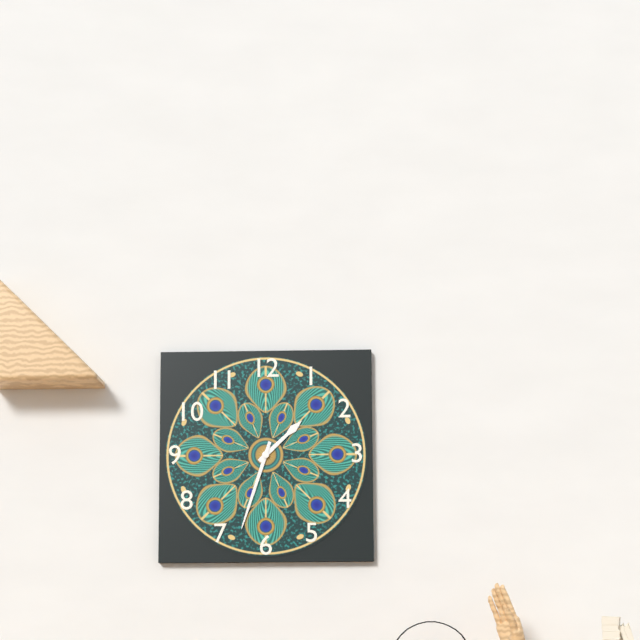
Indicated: 1 h 33 min
